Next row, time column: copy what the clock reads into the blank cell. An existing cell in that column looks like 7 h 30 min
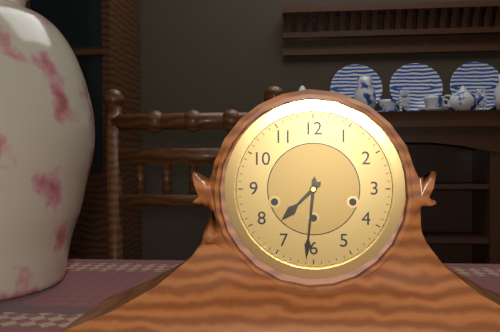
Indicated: 7 h 31 min
